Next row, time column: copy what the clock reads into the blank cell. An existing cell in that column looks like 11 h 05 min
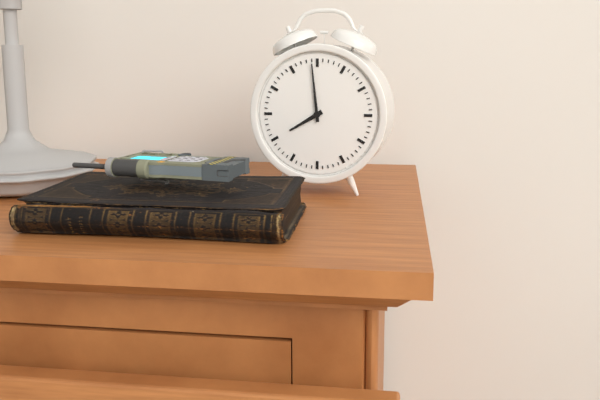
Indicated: 7 h 59 min
